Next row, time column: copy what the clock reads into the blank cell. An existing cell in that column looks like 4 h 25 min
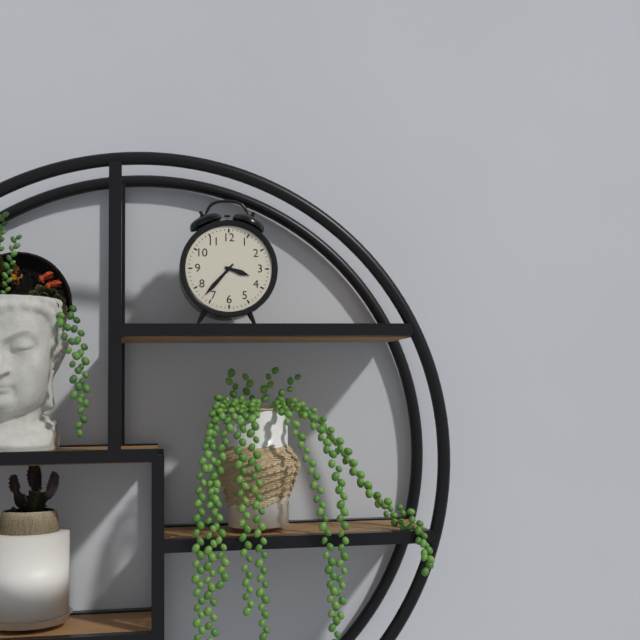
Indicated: 3 h 37 min
